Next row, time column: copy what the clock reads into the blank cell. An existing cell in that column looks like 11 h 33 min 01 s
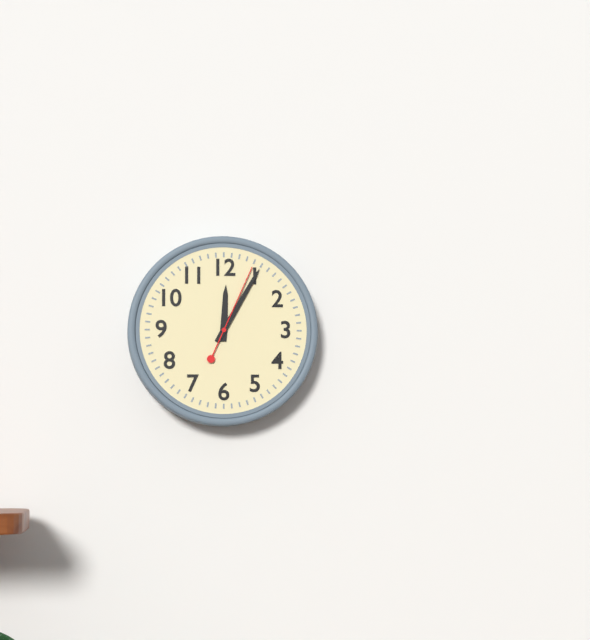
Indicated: 12 h 05 min 04 s
